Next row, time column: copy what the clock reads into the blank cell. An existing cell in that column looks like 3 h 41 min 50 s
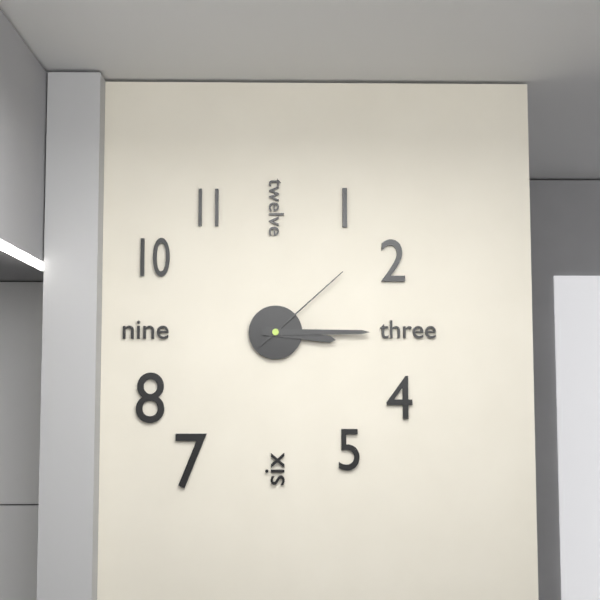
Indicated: 3 h 15 min 08 s
